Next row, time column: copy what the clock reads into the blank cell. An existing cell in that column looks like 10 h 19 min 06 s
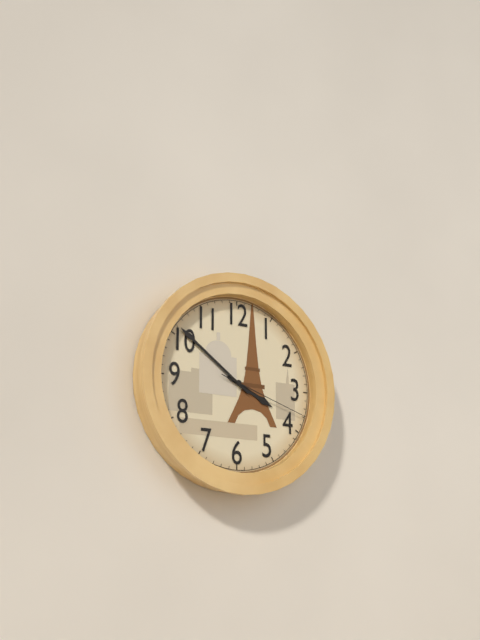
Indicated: 3 h 51 min 18 s
